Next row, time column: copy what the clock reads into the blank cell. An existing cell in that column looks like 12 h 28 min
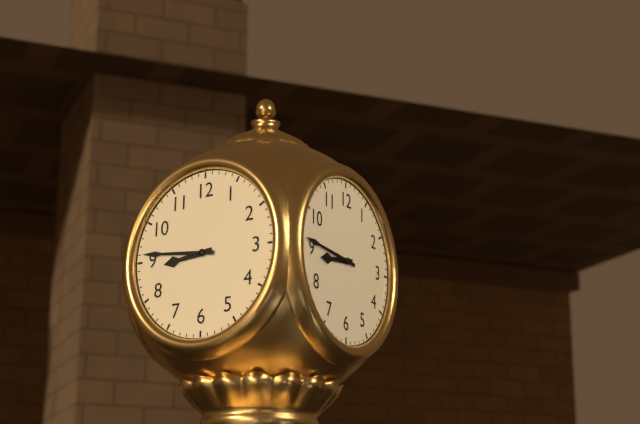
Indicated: 8 h 46 min
